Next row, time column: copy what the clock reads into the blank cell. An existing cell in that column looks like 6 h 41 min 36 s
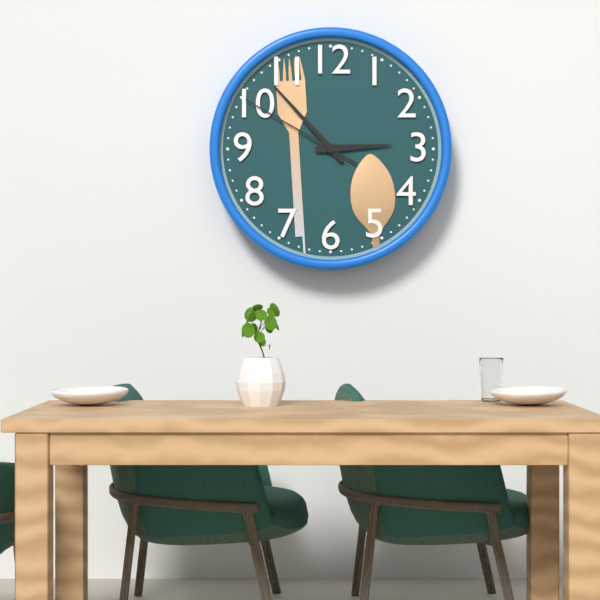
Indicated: 2 h 53 min 50 s
